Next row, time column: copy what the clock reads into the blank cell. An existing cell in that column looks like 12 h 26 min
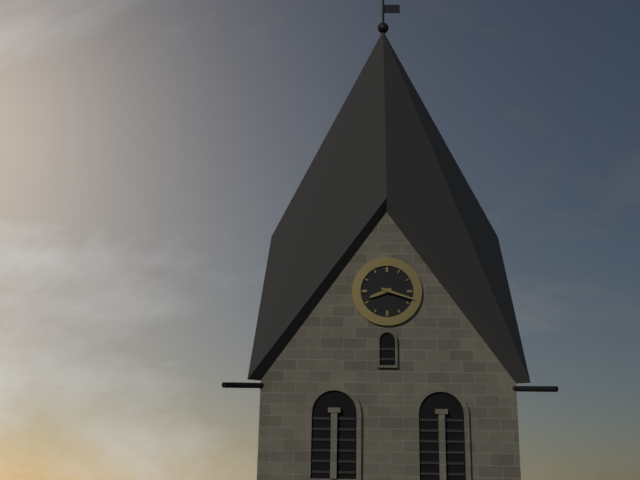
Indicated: 8 h 18 min
